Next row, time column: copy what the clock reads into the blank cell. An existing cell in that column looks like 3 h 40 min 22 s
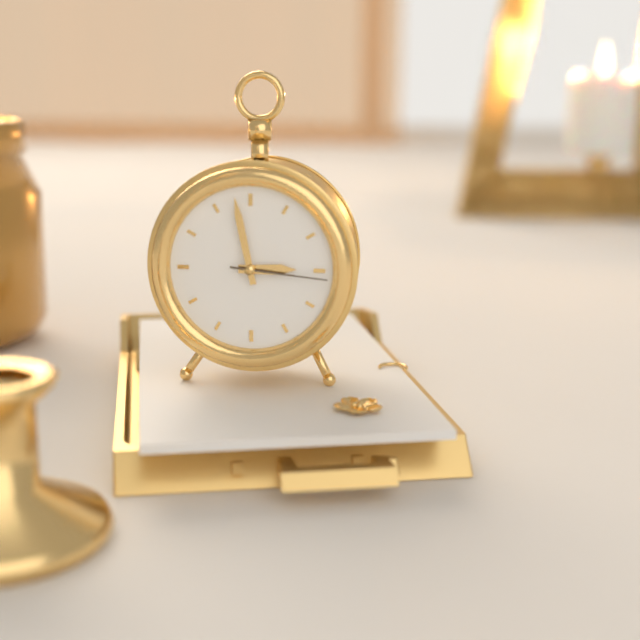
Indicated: 2 h 58 min 16 s
